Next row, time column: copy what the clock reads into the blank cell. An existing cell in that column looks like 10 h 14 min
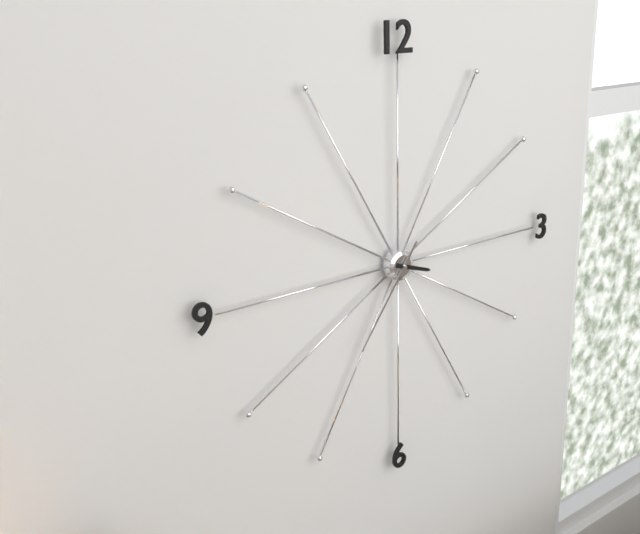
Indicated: 3 h 36 min
